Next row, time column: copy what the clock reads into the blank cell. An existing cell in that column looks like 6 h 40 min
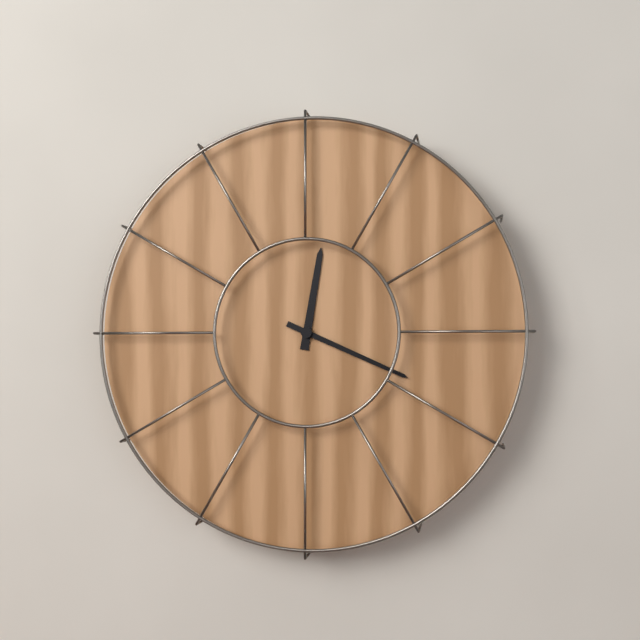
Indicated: 12 h 19 min
